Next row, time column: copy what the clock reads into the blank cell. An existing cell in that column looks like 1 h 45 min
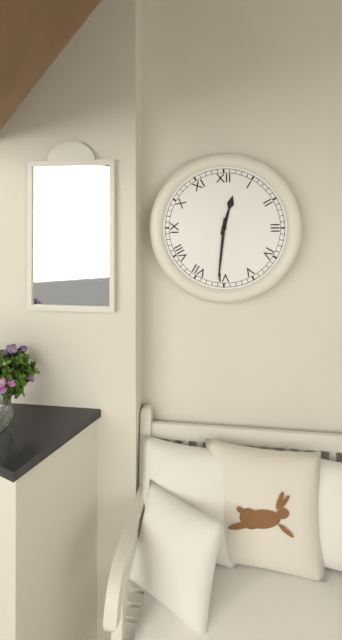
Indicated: 12 h 31 min
